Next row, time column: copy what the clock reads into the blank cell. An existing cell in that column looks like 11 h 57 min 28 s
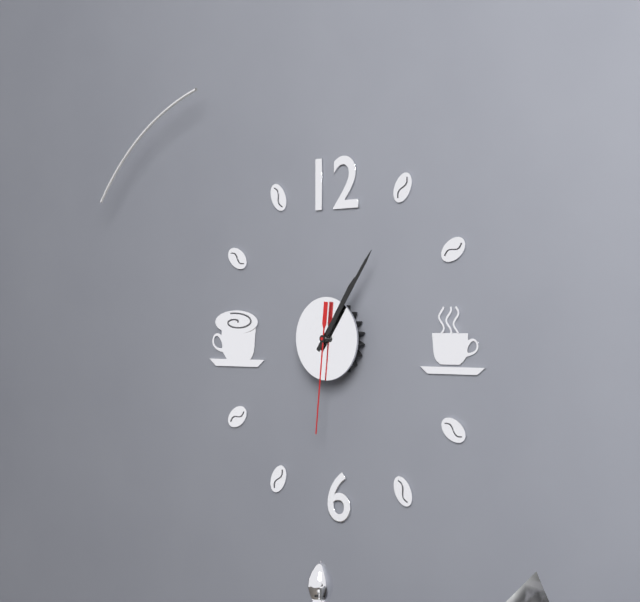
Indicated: 1 h 06 min 31 s
